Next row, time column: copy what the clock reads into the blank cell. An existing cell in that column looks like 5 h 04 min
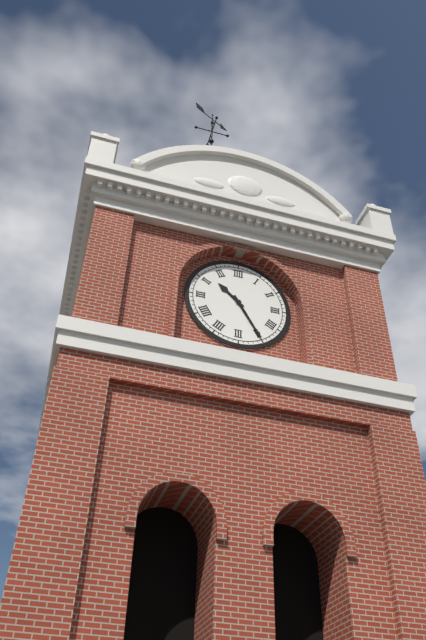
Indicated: 10 h 25 min
